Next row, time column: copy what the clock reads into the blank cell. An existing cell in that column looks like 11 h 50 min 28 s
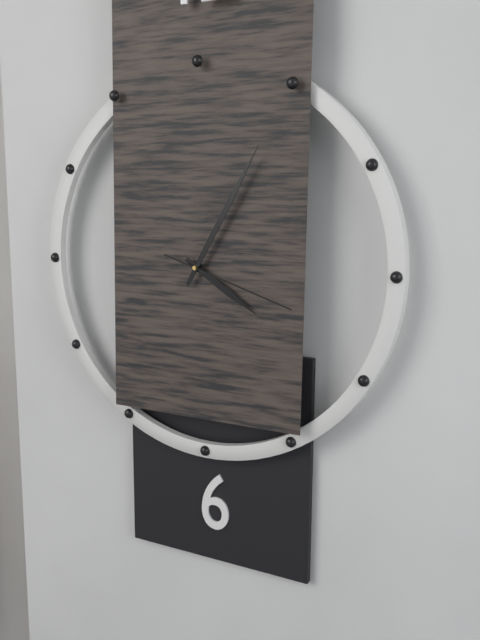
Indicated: 4 h 05 min 18 s
